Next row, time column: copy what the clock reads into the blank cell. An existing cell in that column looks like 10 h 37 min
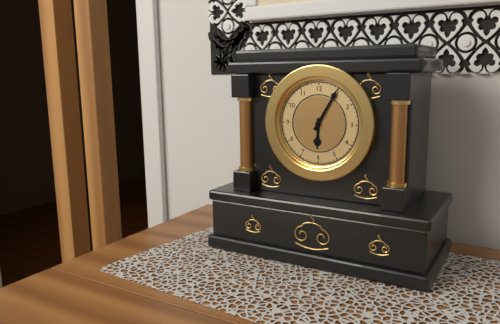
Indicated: 6 h 05 min
